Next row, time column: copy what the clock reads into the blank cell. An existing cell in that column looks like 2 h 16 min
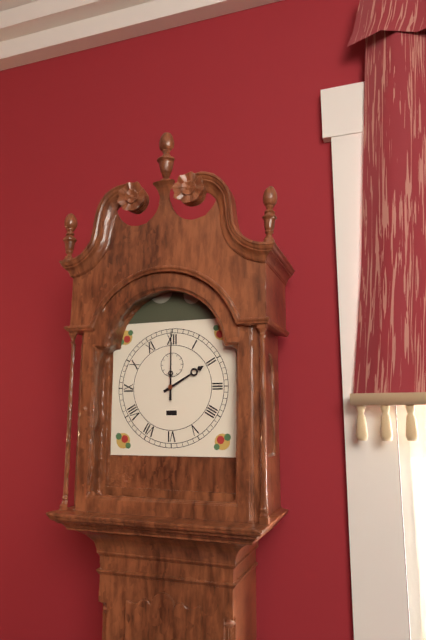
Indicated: 2 h 00 min
